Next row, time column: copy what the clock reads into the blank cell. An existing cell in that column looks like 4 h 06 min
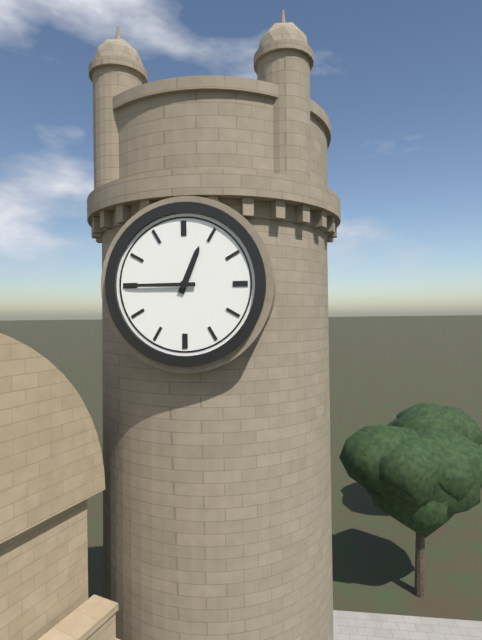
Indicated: 12 h 45 min
